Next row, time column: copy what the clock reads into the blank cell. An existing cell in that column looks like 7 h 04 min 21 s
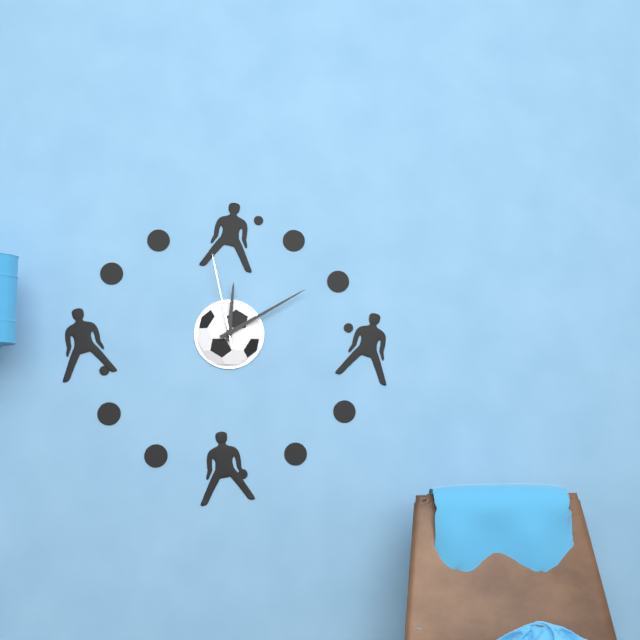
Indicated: 12 h 10 min 58 s
